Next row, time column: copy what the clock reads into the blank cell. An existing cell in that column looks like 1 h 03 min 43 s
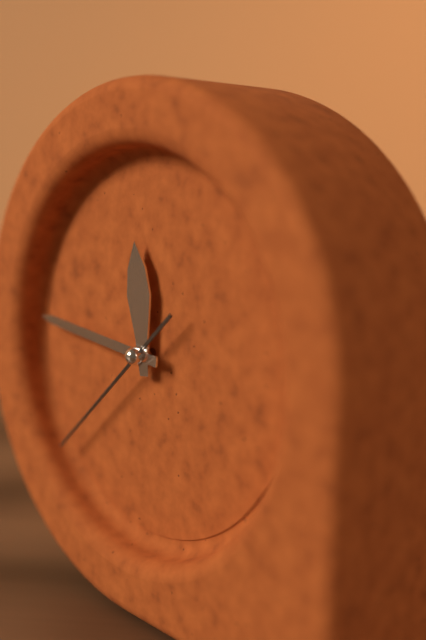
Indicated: 11 h 46 min 38 s
